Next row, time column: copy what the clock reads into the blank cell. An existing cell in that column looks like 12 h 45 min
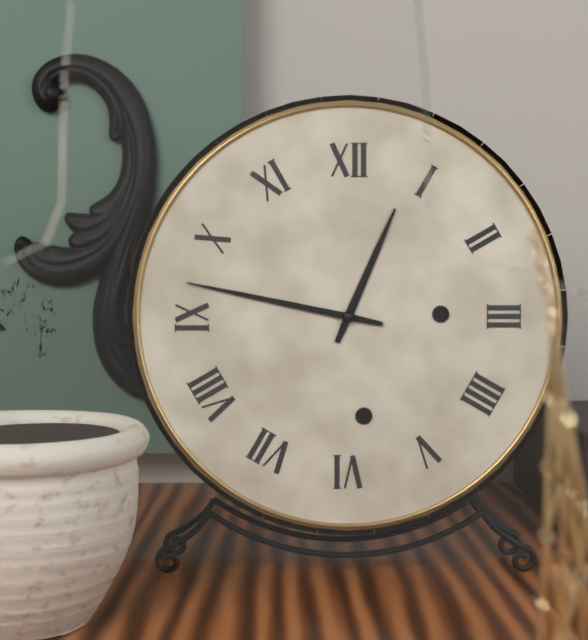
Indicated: 12 h 47 min
